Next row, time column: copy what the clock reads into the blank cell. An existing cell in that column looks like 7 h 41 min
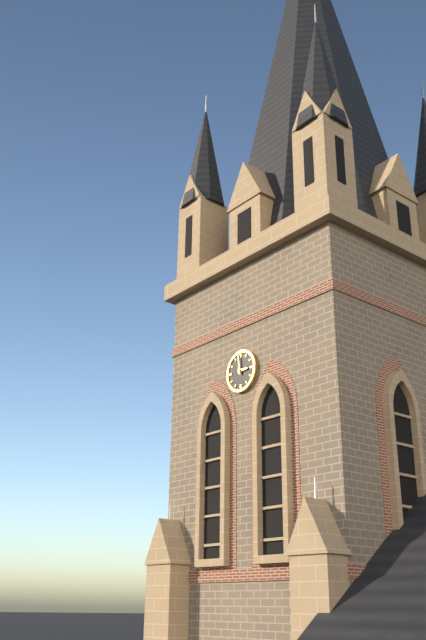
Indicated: 2 h 59 min
